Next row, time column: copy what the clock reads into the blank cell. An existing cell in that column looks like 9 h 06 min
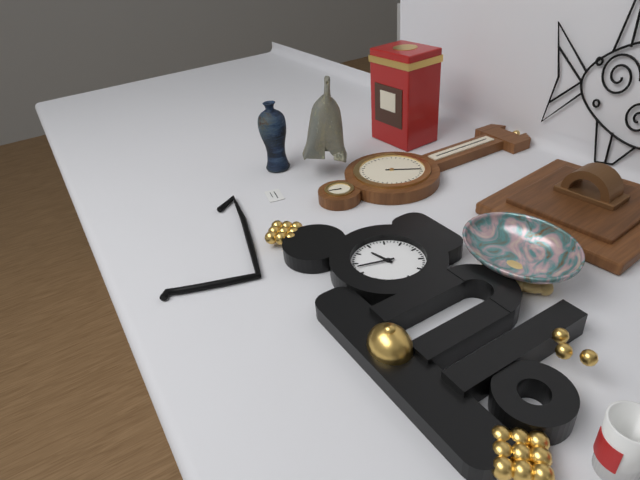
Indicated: 8 h 33 min
